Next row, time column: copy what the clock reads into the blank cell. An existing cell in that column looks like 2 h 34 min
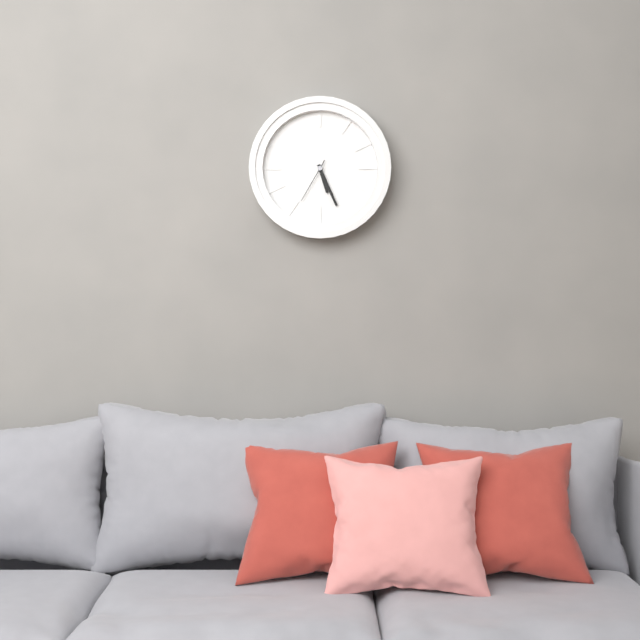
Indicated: 5 h 26 min
